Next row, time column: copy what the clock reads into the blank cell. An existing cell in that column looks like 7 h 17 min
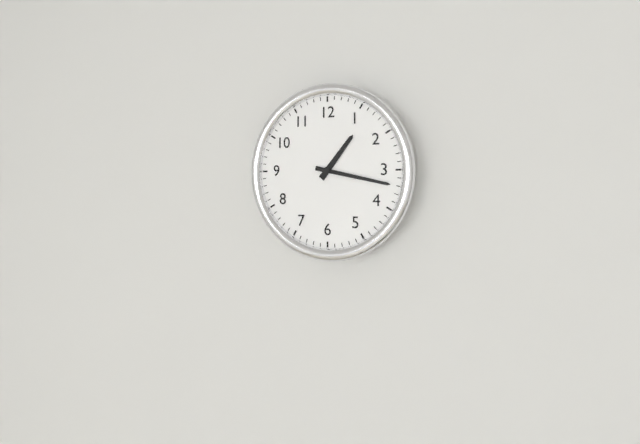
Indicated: 1 h 17 min
